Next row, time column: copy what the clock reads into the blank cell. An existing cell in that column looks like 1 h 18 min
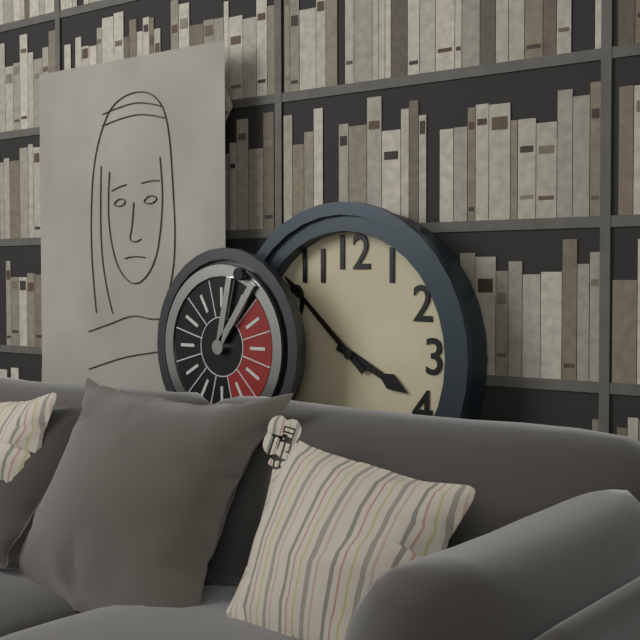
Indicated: 3 h 52 min
